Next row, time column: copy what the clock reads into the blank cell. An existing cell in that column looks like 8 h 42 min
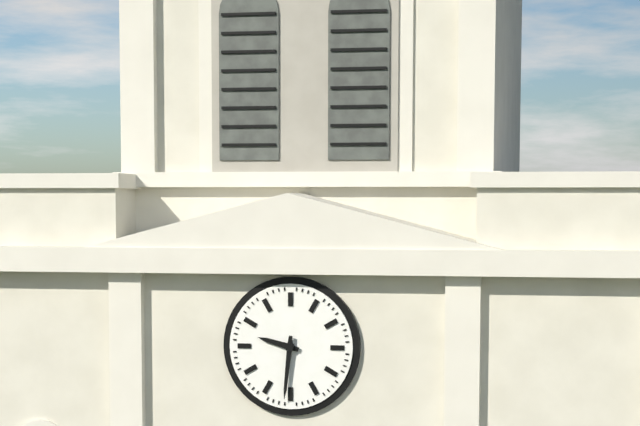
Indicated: 9 h 31 min
